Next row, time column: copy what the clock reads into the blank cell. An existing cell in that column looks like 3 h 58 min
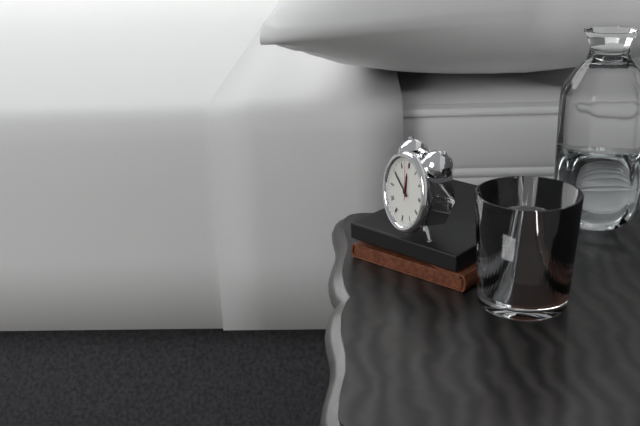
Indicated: 11 h 50 min
